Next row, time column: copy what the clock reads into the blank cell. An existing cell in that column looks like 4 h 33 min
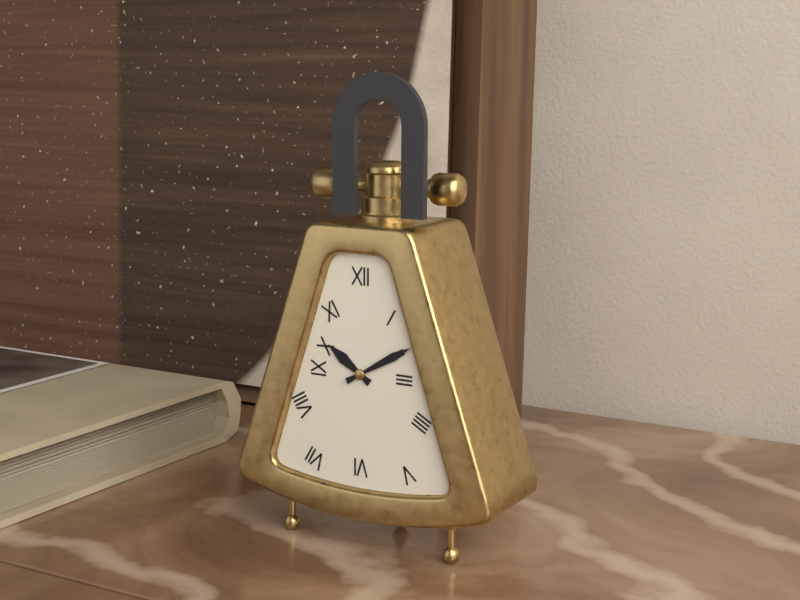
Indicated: 10 h 10 min
